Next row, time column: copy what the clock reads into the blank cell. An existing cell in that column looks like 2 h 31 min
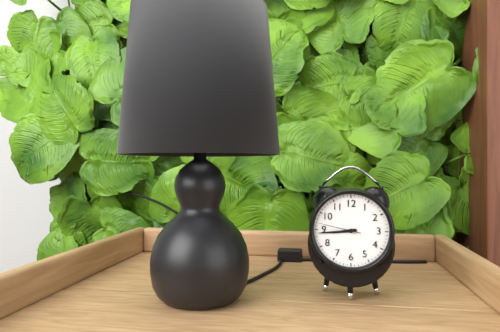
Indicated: 8 h 44 min
